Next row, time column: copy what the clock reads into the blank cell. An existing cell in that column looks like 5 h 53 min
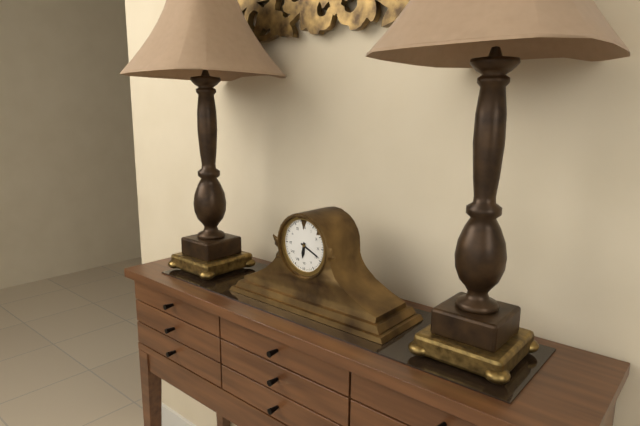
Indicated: 6 h 19 min
